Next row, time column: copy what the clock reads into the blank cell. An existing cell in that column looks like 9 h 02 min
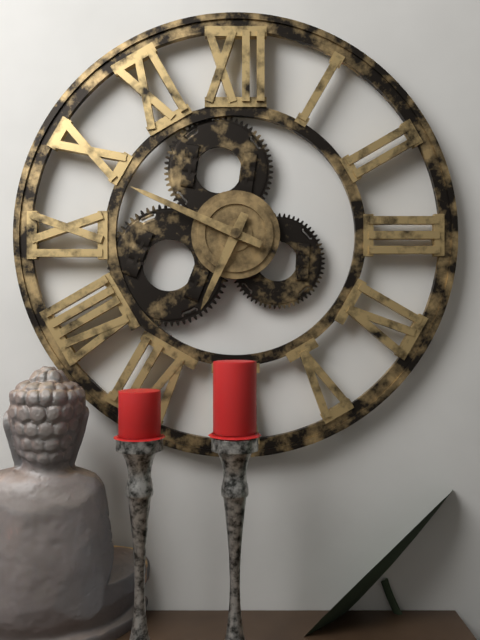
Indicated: 6 h 49 min
